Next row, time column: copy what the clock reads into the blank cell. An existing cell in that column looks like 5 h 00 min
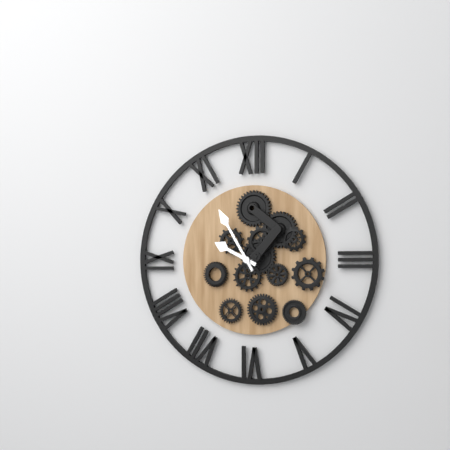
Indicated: 9 h 55 min
